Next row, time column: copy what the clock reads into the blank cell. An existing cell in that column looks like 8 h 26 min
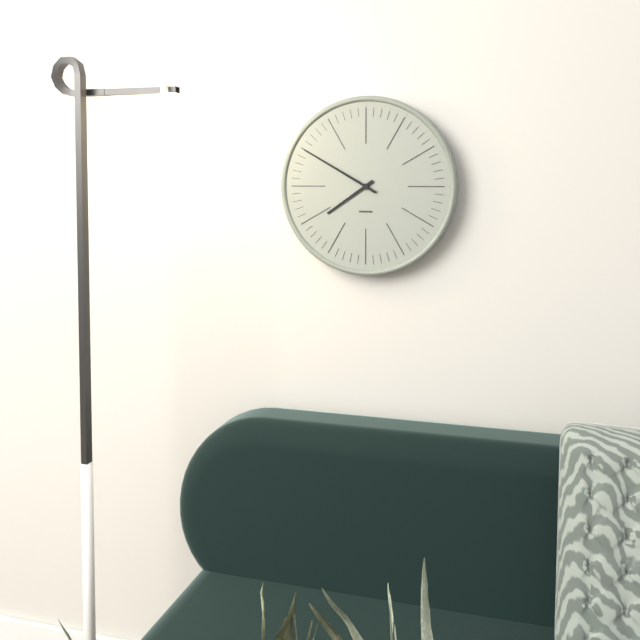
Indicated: 7 h 50 min
